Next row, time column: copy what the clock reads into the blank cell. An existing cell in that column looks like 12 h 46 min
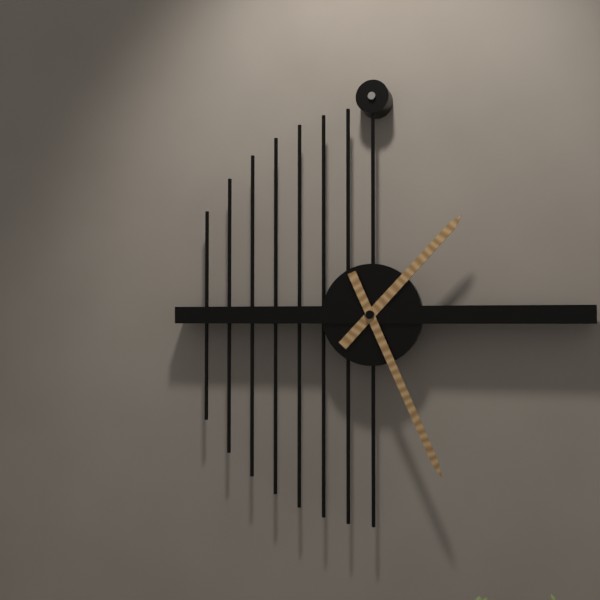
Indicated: 1 h 26 min
